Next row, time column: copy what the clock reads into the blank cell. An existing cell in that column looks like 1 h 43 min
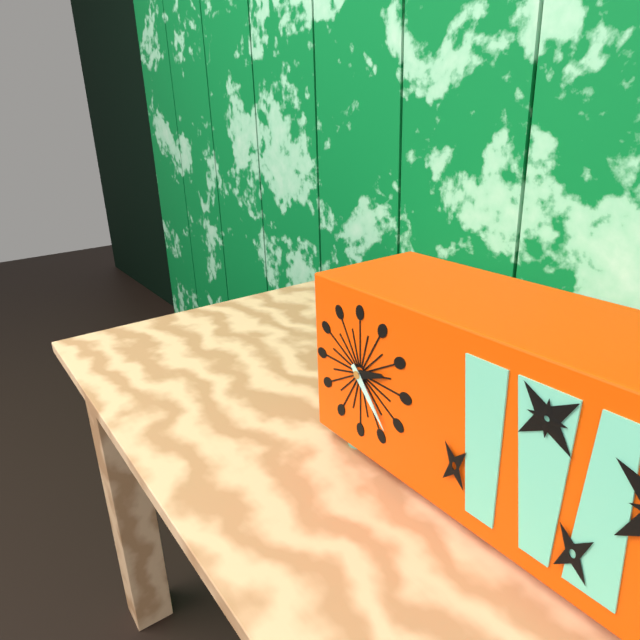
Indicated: 2 h 23 min
